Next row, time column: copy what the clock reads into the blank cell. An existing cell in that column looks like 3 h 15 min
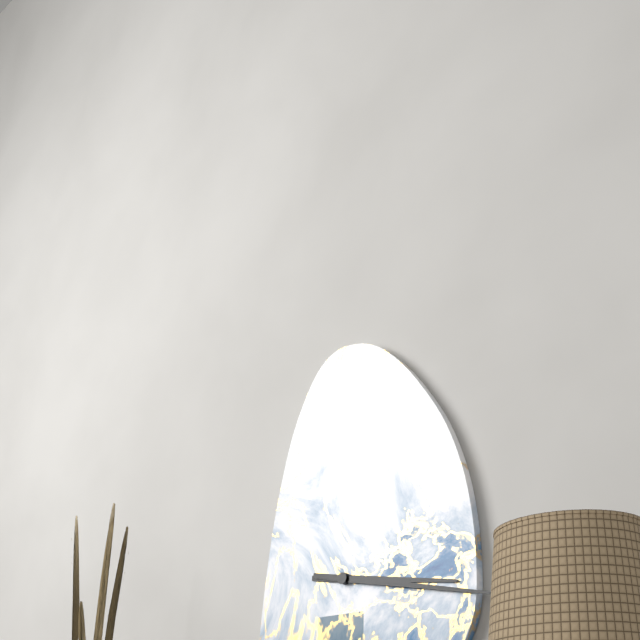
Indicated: 3 h 17 min
